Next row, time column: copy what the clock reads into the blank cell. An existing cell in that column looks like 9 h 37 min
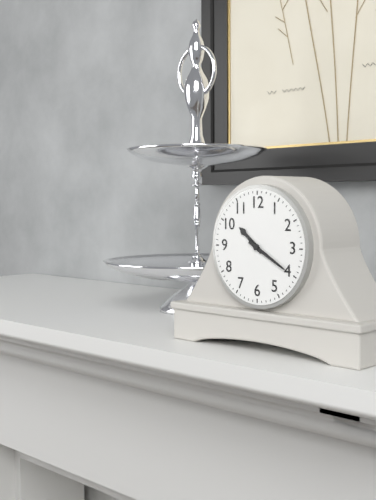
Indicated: 10 h 20 min
